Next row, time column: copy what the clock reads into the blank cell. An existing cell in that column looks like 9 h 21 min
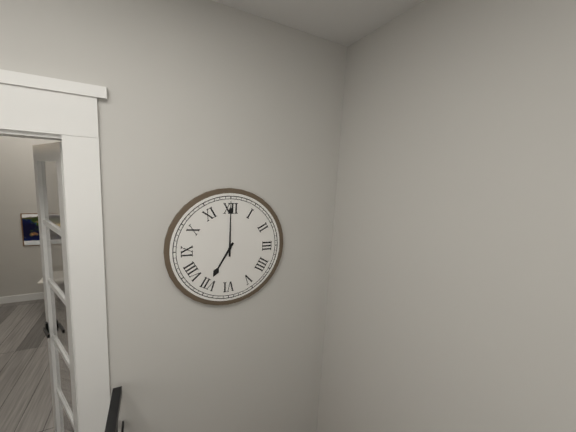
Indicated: 7 h 00 min
